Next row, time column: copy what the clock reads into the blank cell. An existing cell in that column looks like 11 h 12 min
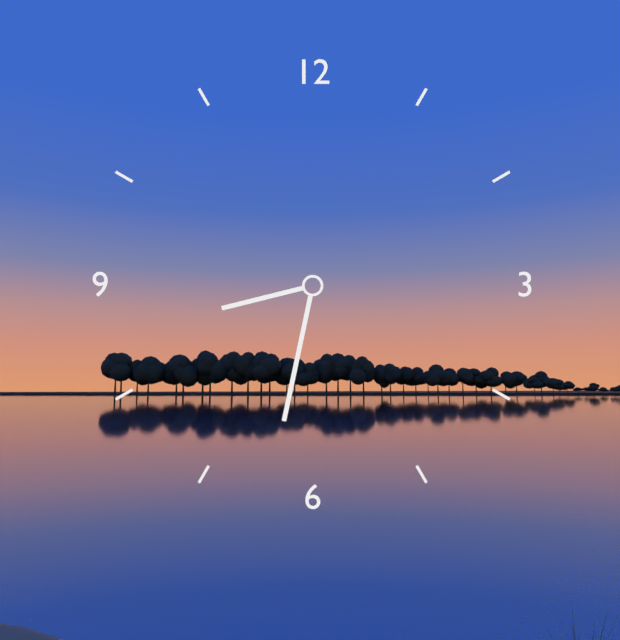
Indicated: 8 h 32 min
